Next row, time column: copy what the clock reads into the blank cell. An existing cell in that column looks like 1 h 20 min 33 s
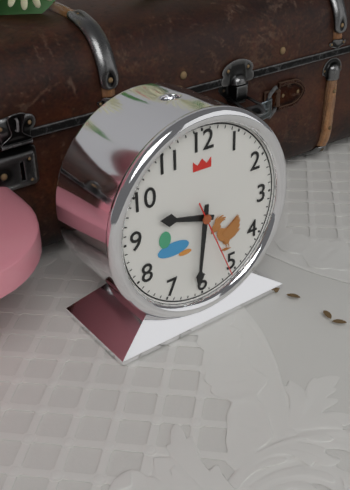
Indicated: 9 h 31 min 26 s
